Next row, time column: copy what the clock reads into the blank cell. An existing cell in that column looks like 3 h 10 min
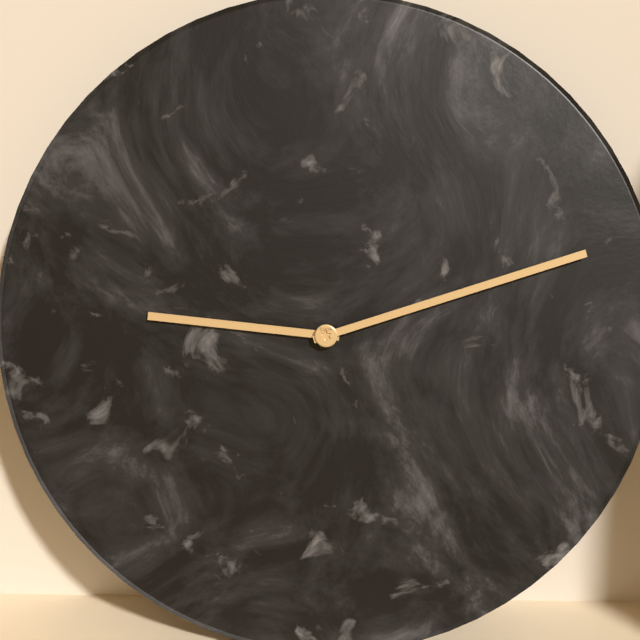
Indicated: 9 h 12 min
